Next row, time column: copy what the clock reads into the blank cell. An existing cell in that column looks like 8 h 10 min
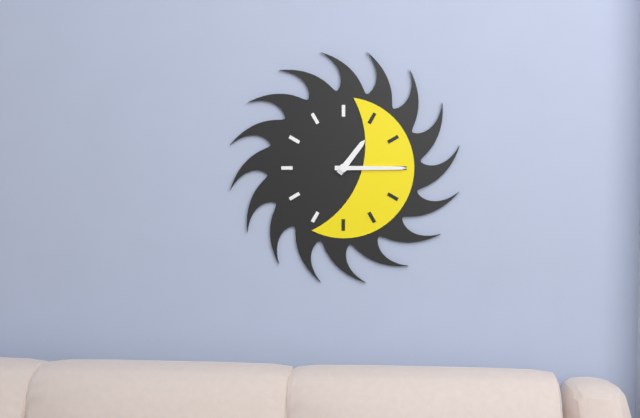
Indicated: 1 h 15 min
